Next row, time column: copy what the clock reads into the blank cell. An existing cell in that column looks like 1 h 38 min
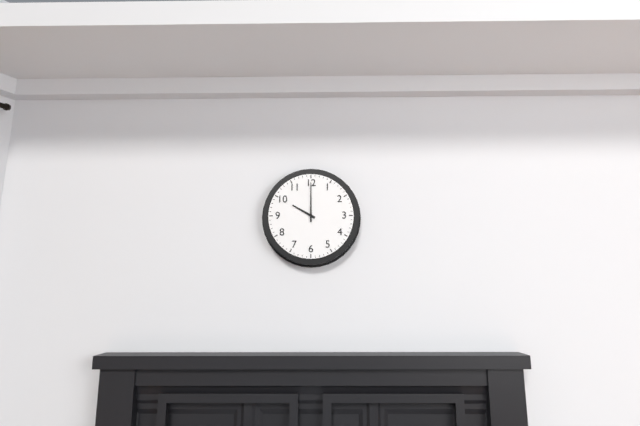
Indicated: 10 h 00 min
